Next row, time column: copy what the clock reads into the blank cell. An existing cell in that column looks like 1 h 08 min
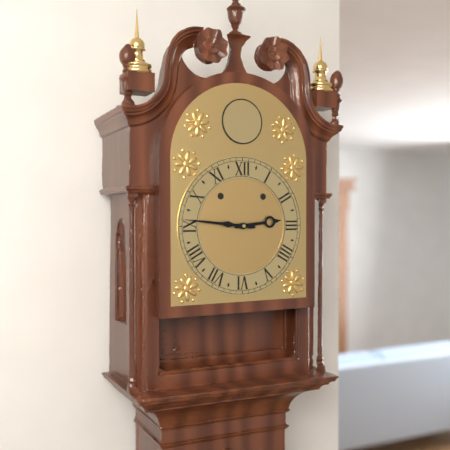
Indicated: 2 h 46 min
